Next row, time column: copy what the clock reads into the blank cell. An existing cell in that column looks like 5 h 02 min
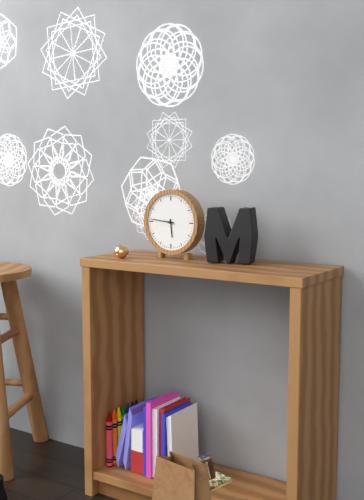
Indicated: 5 h 46 min
